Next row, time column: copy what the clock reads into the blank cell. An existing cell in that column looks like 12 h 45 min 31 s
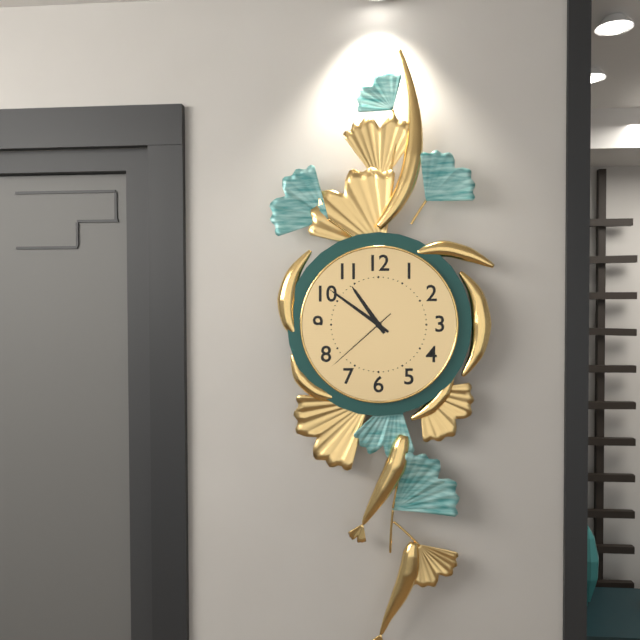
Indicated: 10 h 51 min 38 s
